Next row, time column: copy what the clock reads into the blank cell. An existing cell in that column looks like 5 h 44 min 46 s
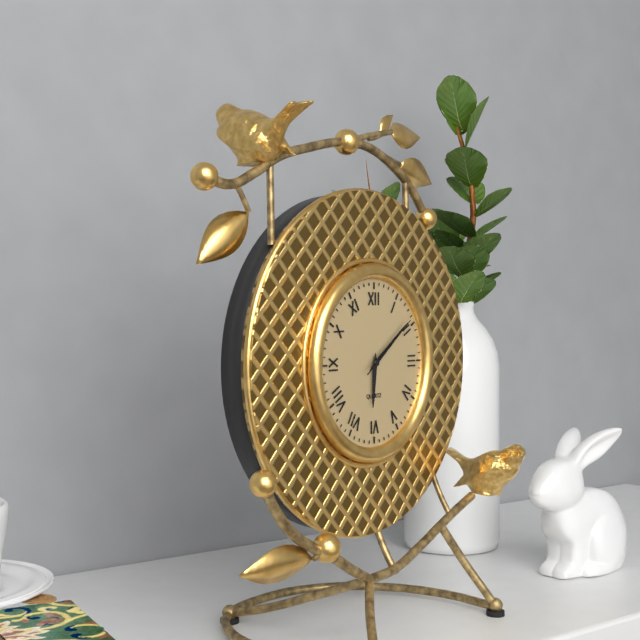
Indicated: 6 h 09 min 09 s
